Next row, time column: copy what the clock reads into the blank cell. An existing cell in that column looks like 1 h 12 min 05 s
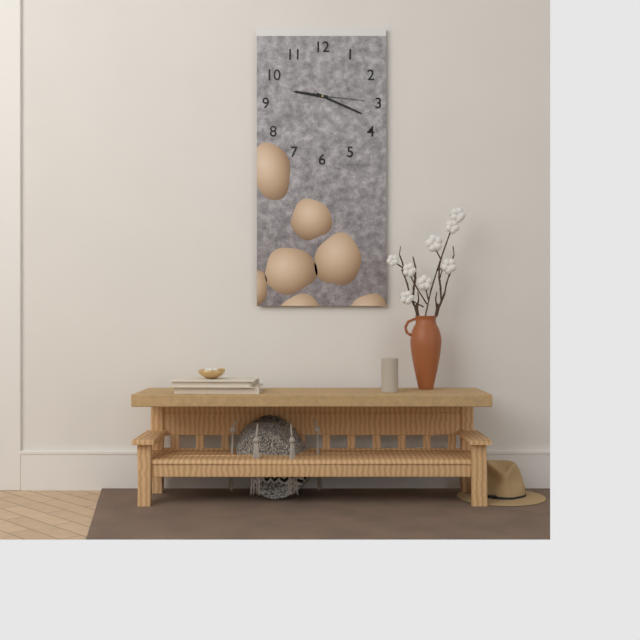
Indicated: 9 h 19 min 16 s
